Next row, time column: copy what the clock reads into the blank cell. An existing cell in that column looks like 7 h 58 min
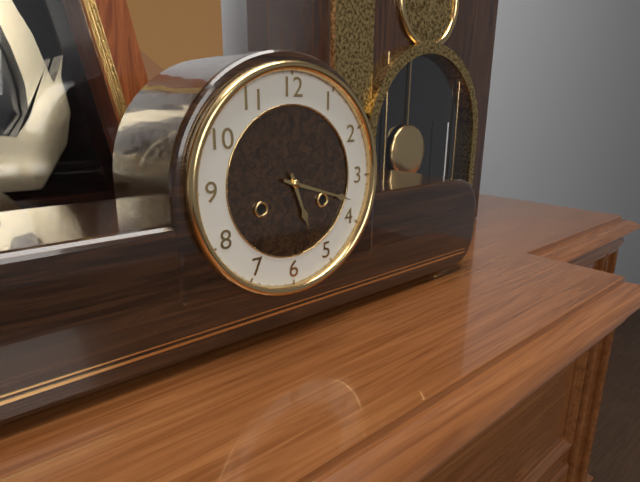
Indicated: 5 h 18 min
